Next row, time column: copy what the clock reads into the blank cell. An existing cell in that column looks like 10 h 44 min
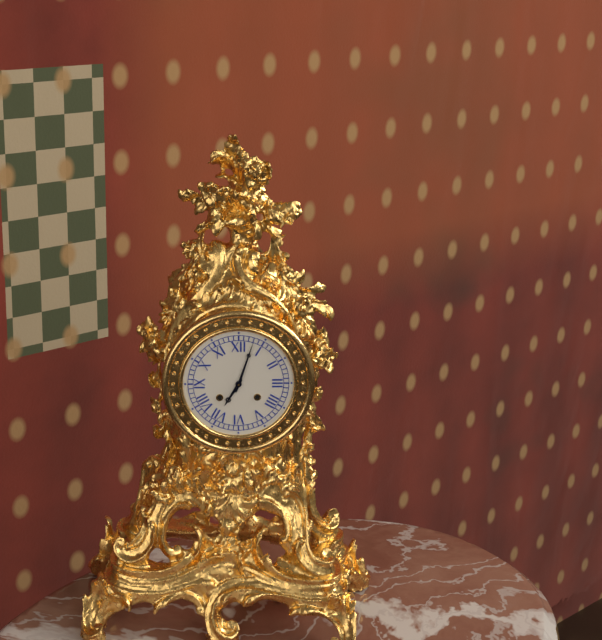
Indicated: 7 h 03 min
